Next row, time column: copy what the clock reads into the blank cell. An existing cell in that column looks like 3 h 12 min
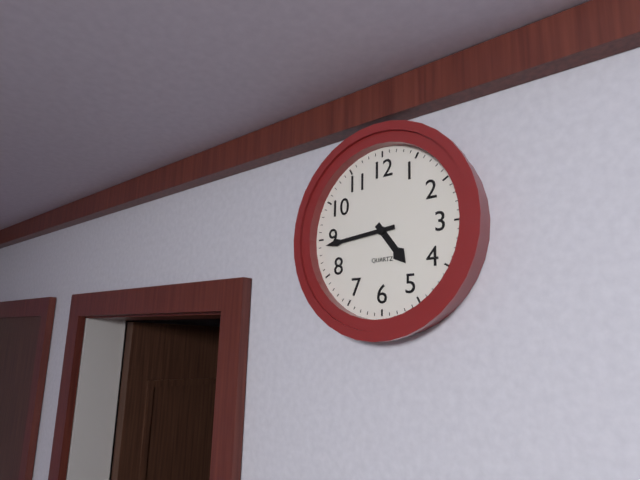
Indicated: 4 h 44 min
